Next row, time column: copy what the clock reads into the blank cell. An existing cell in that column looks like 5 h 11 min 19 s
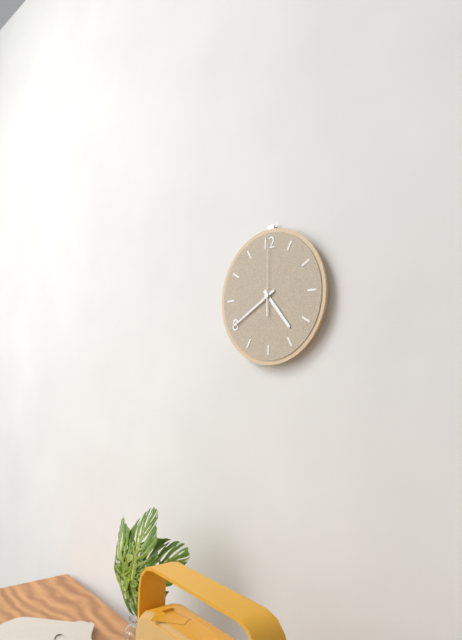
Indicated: 4 h 40 min 00 s
